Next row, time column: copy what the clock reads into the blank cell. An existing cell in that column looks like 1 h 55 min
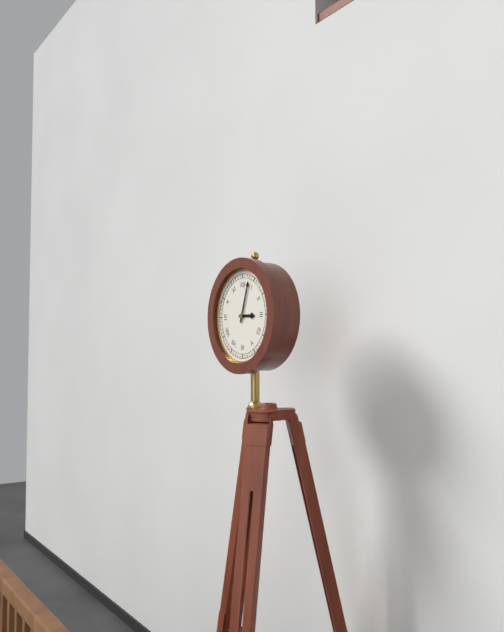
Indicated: 3 h 03 min
